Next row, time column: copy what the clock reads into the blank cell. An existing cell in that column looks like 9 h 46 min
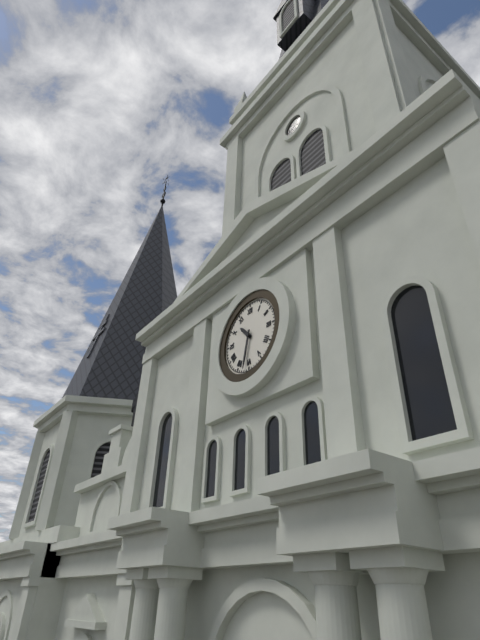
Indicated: 10 h 32 min
